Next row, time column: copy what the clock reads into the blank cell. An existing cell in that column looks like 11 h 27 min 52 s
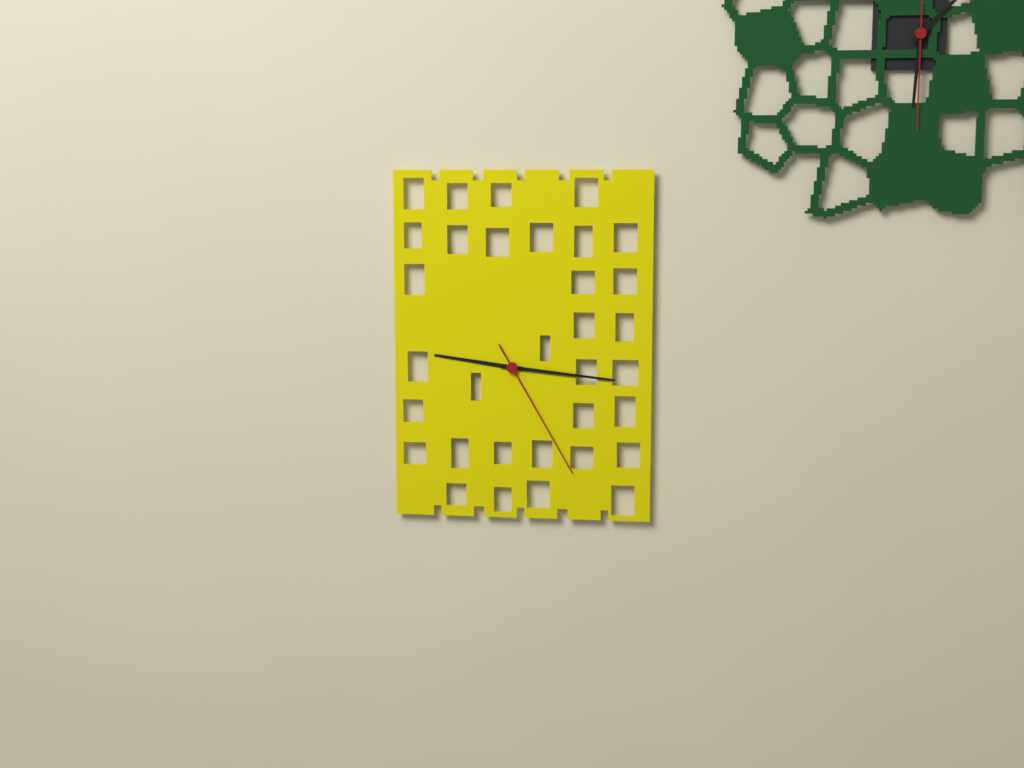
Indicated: 9 h 16 min 25 s
